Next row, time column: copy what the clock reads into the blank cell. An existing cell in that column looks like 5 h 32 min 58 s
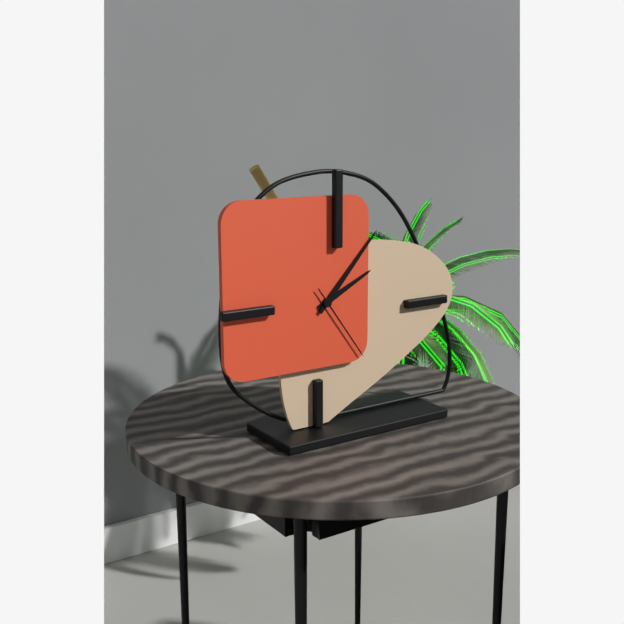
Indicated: 2 h 07 min 24 s
